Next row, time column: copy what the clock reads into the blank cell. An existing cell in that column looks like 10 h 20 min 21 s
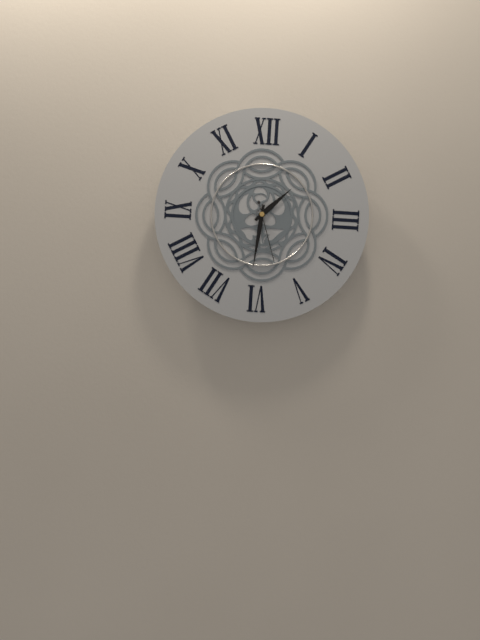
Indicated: 1 h 31 min 27 s
